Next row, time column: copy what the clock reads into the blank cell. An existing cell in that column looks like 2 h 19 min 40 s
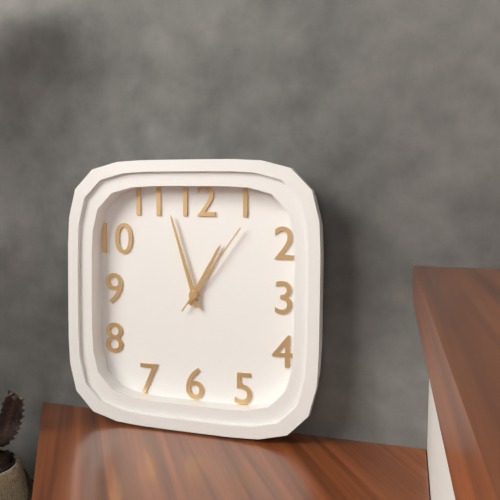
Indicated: 12 h 57 min 06 s
